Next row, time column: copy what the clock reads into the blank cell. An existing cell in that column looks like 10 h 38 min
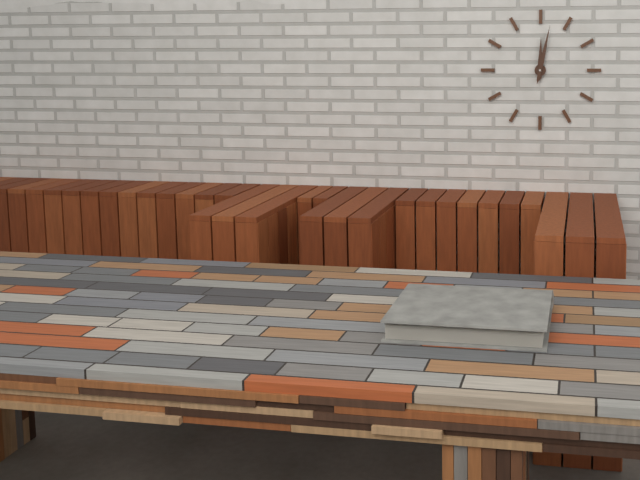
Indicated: 12 h 02 min
